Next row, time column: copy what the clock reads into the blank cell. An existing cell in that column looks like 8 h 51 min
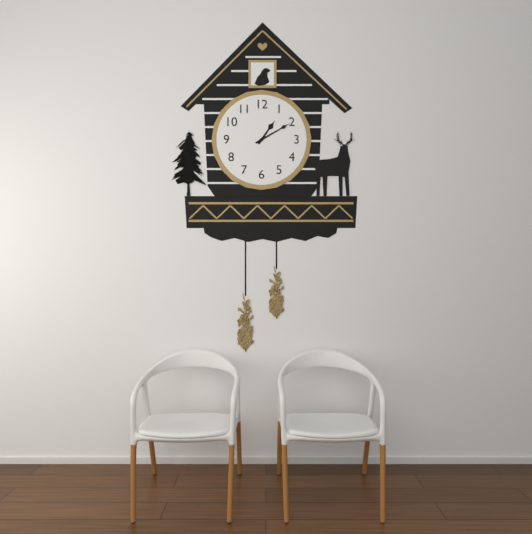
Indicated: 1 h 10 min
